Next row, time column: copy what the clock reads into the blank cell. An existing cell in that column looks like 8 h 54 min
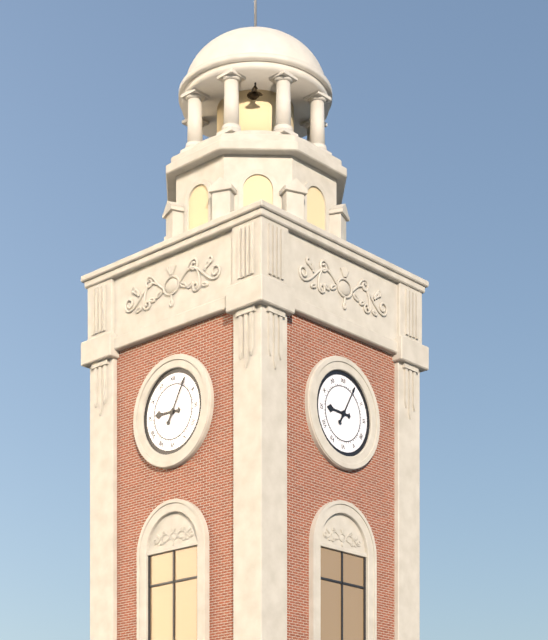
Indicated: 9 h 05 min
